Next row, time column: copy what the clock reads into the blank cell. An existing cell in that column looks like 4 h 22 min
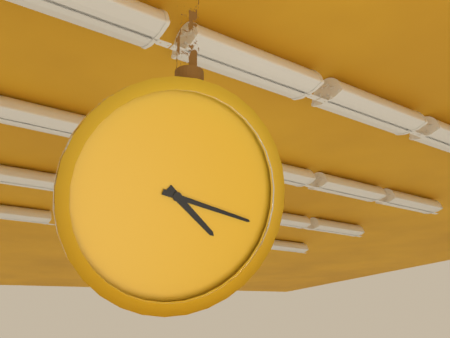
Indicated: 4 h 17 min
